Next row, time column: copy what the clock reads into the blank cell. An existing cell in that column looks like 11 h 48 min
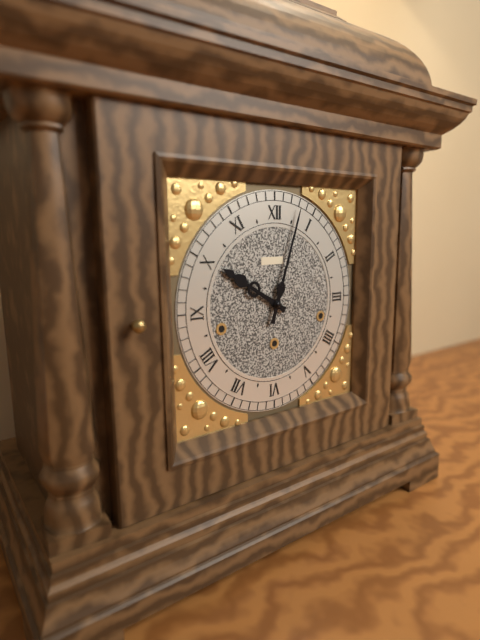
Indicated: 10 h 03 min
